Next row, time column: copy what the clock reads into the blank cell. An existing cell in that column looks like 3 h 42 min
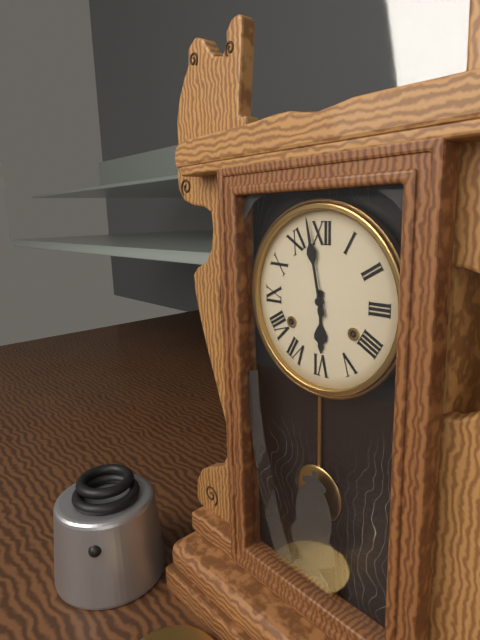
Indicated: 5 h 58 min
